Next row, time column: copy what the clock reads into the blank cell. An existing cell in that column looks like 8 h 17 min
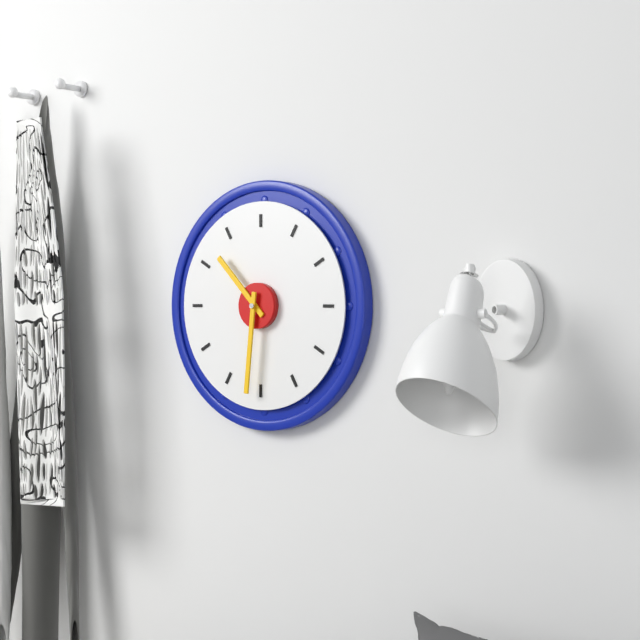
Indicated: 10 h 31 min
